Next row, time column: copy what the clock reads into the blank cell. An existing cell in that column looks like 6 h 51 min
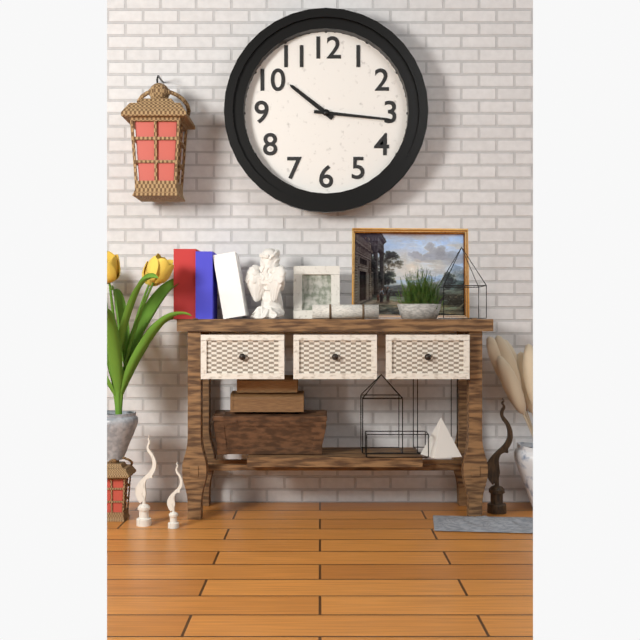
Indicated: 10 h 16 min
